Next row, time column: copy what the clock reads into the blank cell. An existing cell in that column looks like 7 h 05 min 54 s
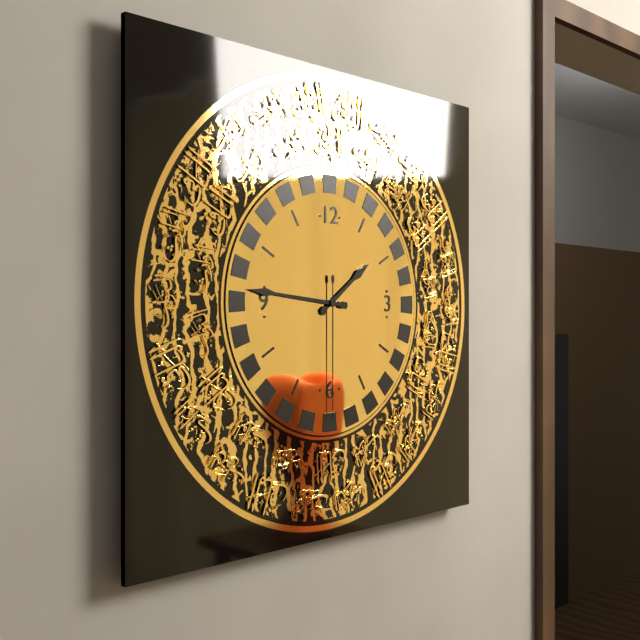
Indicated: 1 h 46 min 30 s
